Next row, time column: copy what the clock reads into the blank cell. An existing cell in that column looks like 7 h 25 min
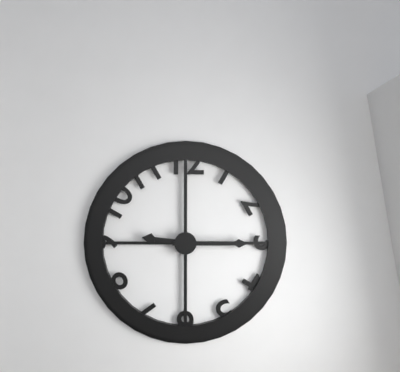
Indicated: 9 h 15 min
